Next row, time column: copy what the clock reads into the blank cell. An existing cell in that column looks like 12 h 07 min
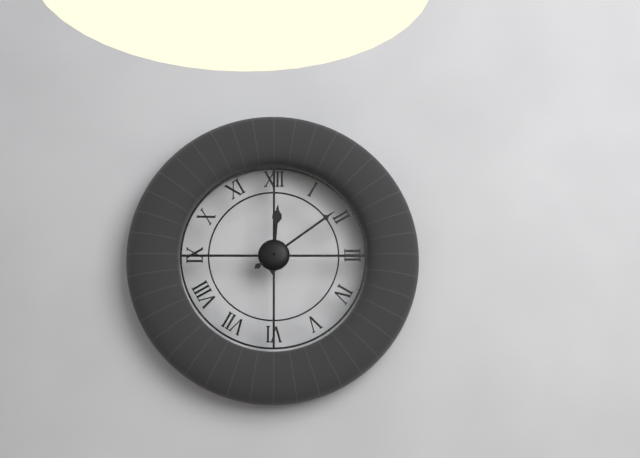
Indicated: 12 h 09 min
